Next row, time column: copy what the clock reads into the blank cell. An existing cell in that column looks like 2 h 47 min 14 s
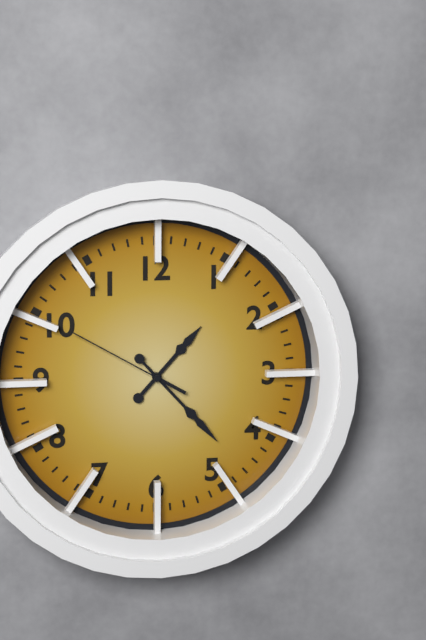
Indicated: 1 h 23 min 50 s
